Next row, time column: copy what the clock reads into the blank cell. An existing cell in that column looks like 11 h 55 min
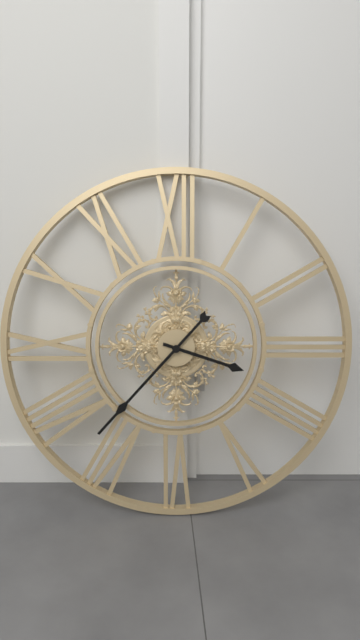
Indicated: 3 h 37 min
